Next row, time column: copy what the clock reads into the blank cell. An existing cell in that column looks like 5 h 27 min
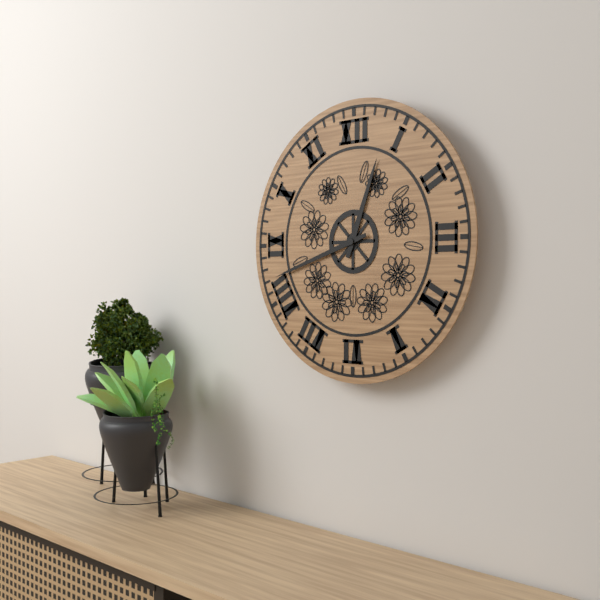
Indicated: 12 h 42 min
